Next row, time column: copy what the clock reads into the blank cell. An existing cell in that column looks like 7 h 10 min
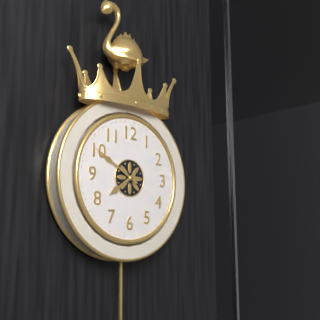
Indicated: 7 h 50 min
